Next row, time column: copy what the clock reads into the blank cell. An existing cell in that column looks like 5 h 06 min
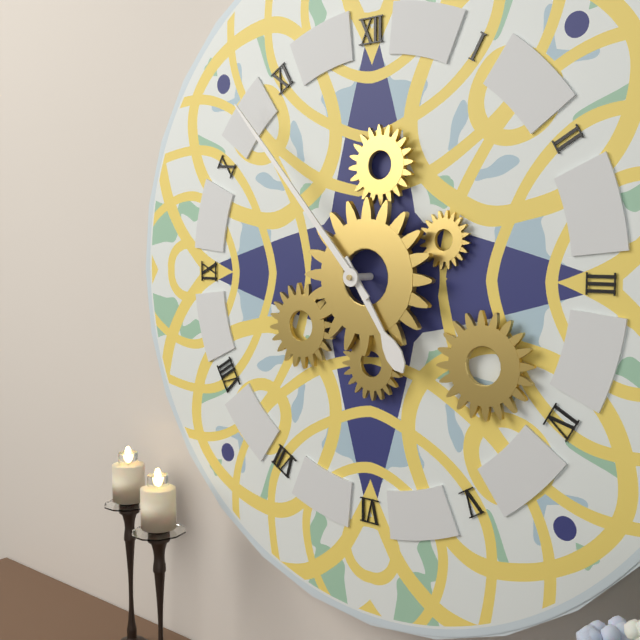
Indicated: 4 h 53 min
